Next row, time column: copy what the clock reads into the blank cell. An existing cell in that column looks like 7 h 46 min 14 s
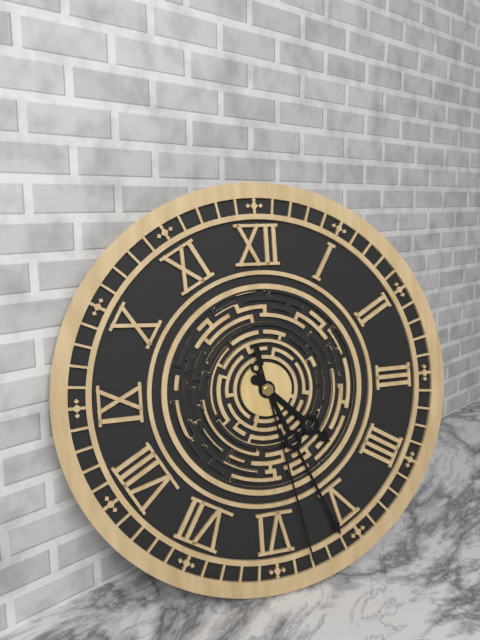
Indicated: 4 h 26 min 28 s
